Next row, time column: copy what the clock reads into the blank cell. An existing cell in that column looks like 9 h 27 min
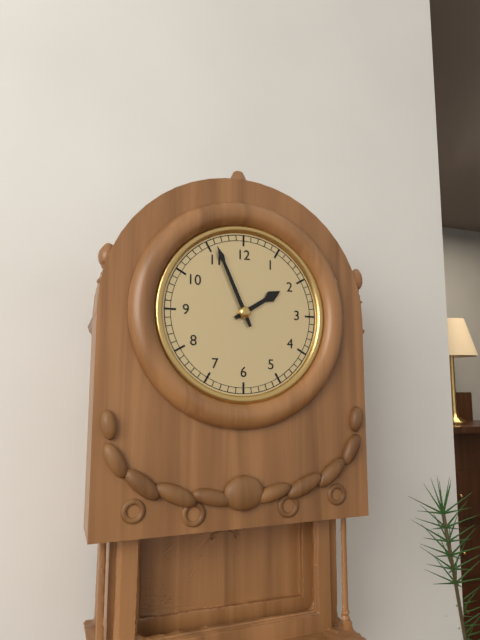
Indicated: 1 h 56 min
